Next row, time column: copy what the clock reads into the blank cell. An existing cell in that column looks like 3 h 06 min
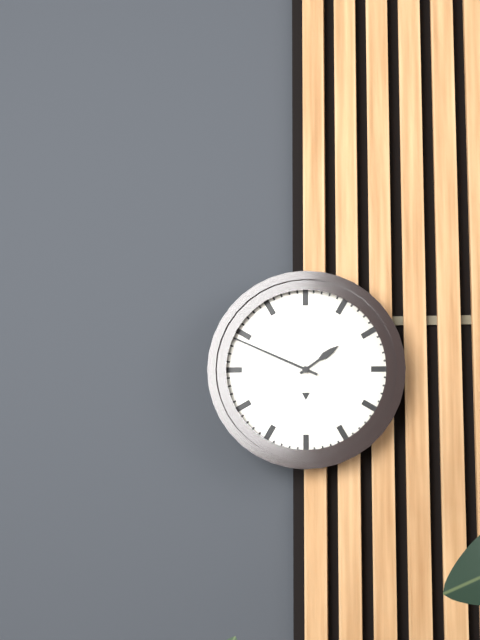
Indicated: 1 h 49 min
